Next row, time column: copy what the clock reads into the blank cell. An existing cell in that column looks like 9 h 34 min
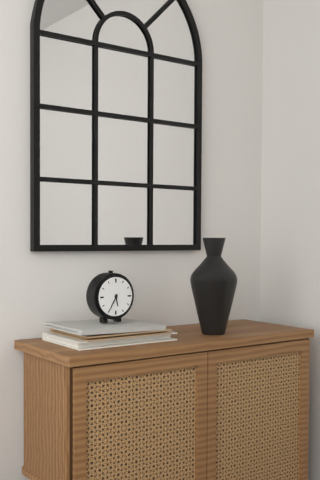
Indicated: 5 h 35 min
